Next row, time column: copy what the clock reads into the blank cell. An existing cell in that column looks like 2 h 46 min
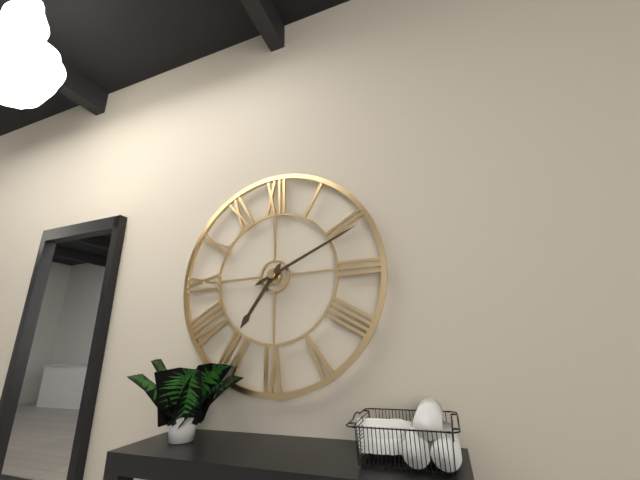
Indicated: 7 h 11 min
